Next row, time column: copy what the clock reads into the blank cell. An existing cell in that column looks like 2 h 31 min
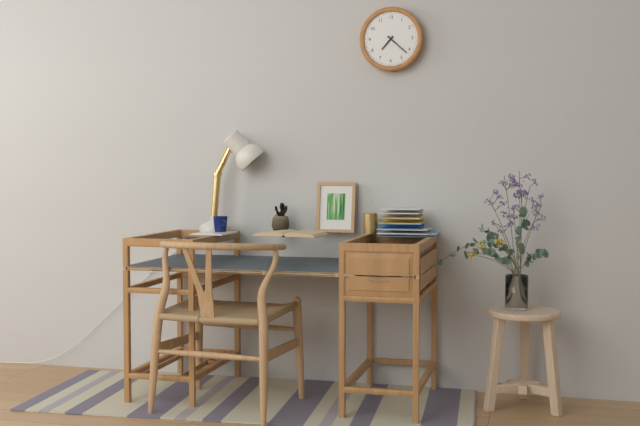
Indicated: 7 h 22 min
